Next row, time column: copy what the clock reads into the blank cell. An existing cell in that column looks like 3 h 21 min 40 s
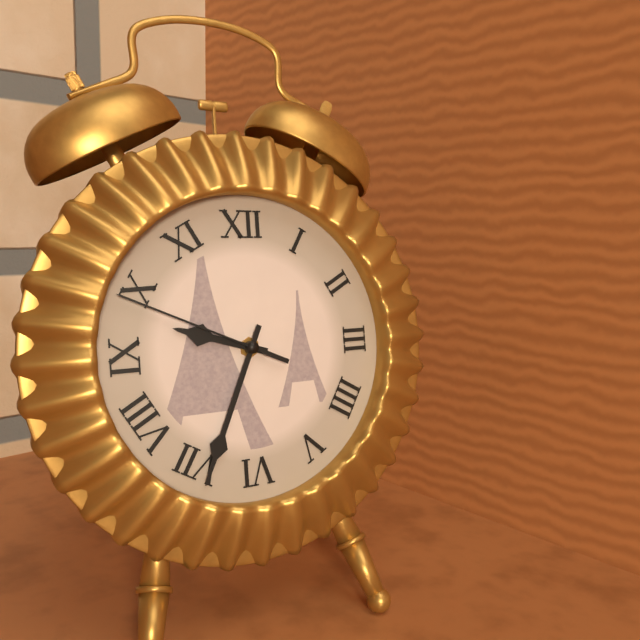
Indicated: 9 h 34 min 49 s
